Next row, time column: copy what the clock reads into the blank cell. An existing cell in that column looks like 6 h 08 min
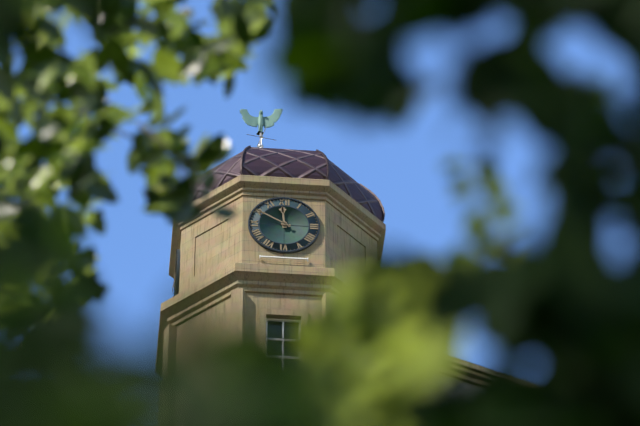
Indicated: 11 h 50 min
